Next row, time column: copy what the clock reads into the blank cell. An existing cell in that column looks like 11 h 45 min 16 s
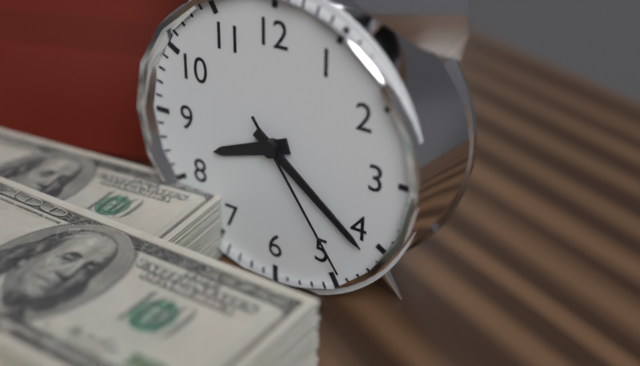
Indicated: 8 h 21 min 24 s
